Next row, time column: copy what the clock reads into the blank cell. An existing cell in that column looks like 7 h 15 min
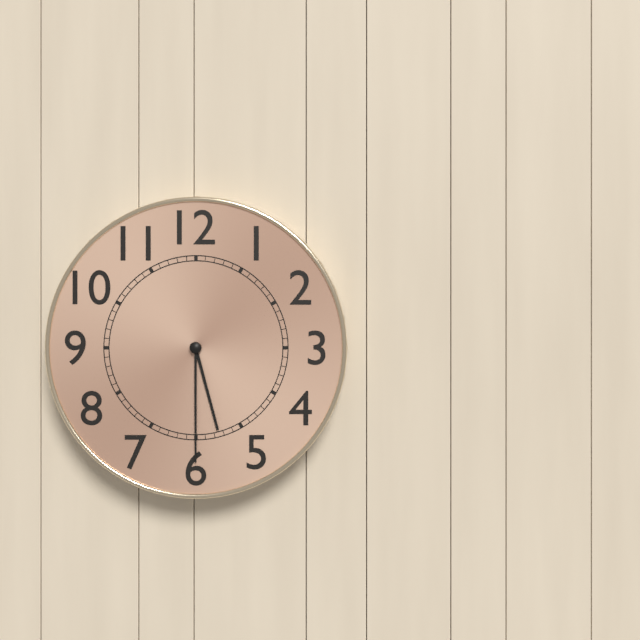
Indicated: 5 h 30 min
